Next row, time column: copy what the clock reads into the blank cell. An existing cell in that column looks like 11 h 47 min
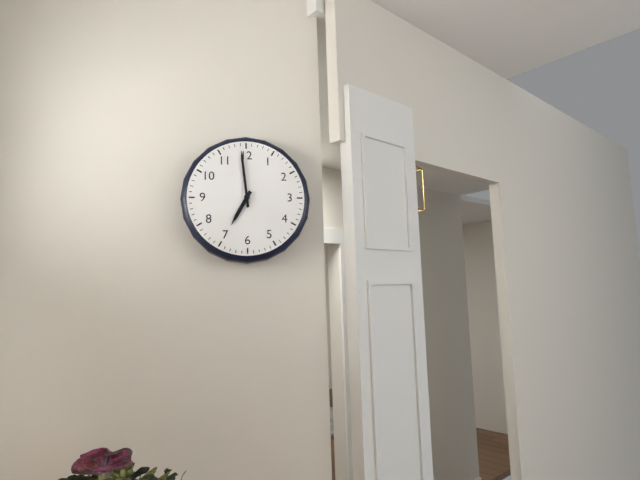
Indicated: 6 h 59 min
